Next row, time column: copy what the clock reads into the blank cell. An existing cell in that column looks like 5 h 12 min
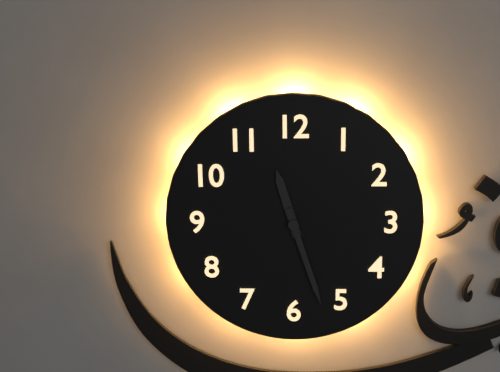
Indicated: 11 h 27 min
